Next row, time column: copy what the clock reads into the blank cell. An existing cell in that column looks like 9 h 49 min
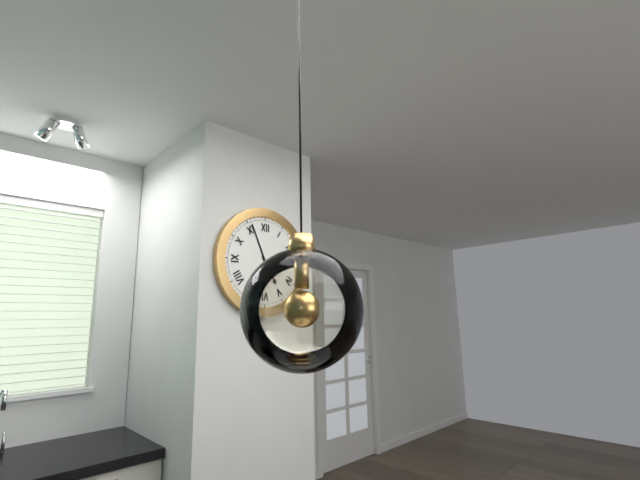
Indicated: 4 h 56 min
